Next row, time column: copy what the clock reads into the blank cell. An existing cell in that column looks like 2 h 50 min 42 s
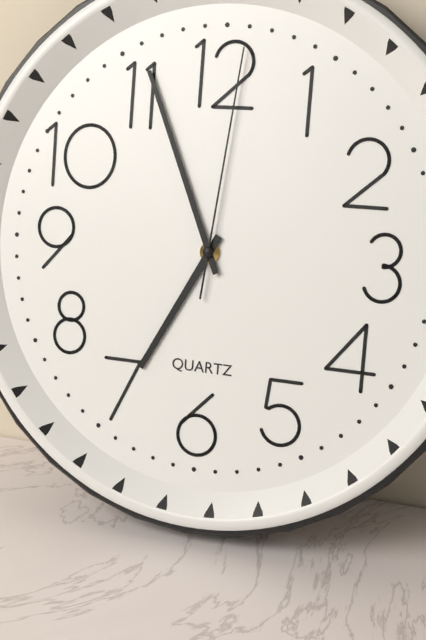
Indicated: 6 h 56 min 01 s
